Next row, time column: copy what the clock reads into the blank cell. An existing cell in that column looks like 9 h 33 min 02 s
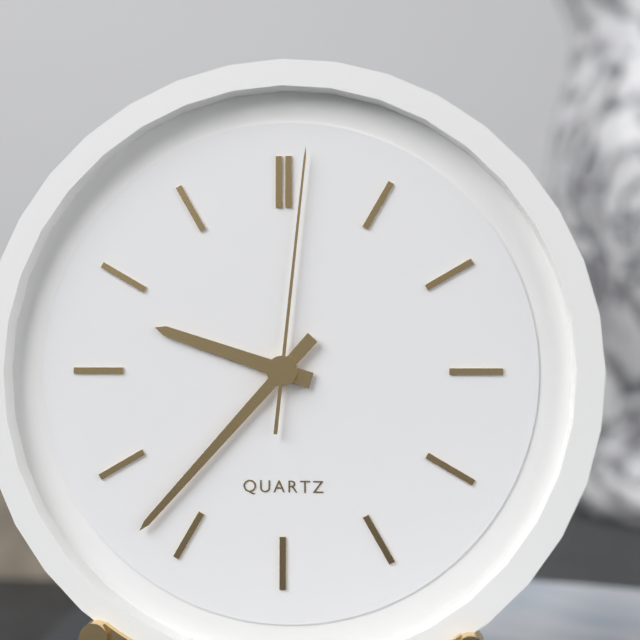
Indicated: 9 h 37 min 01 s
